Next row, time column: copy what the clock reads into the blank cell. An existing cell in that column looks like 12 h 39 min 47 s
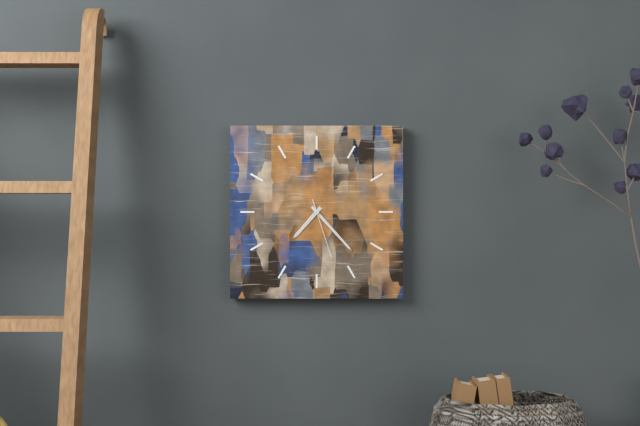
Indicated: 7 h 23 min 27 s
